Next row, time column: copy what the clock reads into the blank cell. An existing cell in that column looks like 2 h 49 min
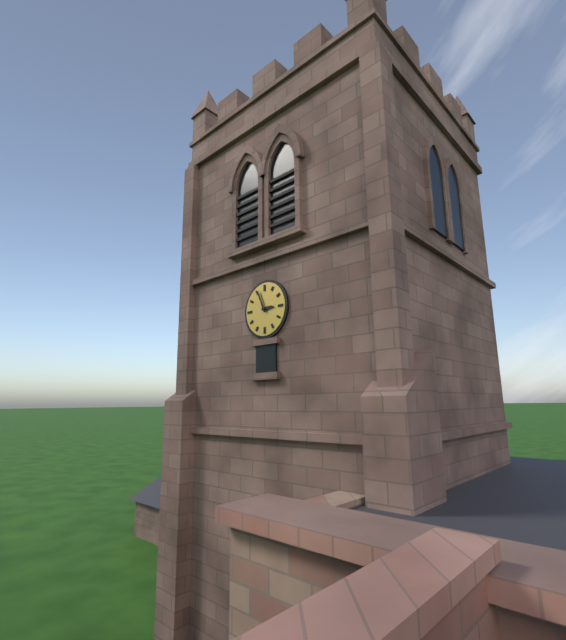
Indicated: 2 h 56 min
